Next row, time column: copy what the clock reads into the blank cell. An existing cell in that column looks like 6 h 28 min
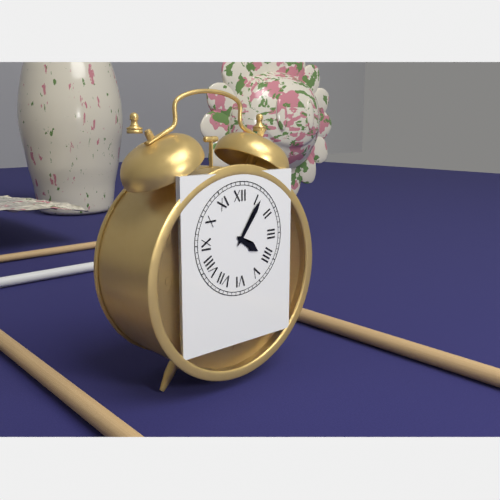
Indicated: 4 h 06 min
